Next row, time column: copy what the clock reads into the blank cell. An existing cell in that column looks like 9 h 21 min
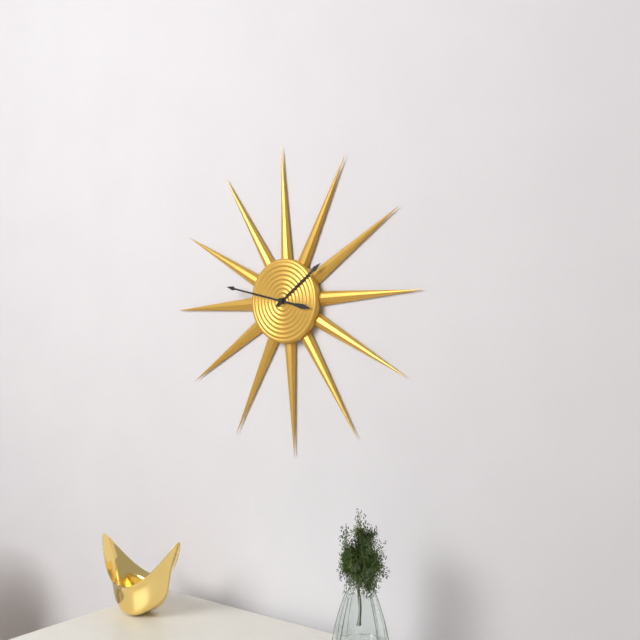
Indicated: 1 h 47 min
